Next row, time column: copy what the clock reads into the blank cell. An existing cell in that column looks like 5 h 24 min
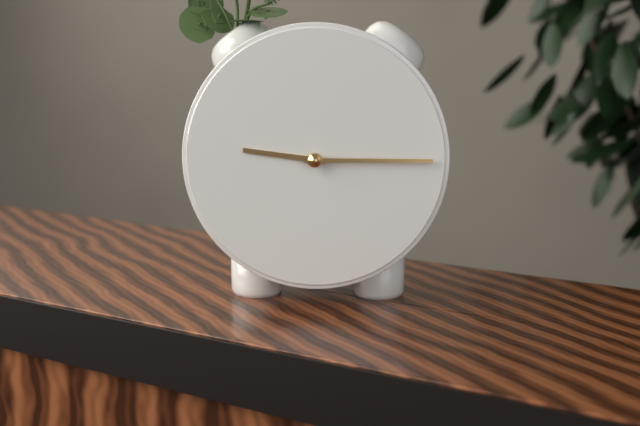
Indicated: 9 h 15 min
